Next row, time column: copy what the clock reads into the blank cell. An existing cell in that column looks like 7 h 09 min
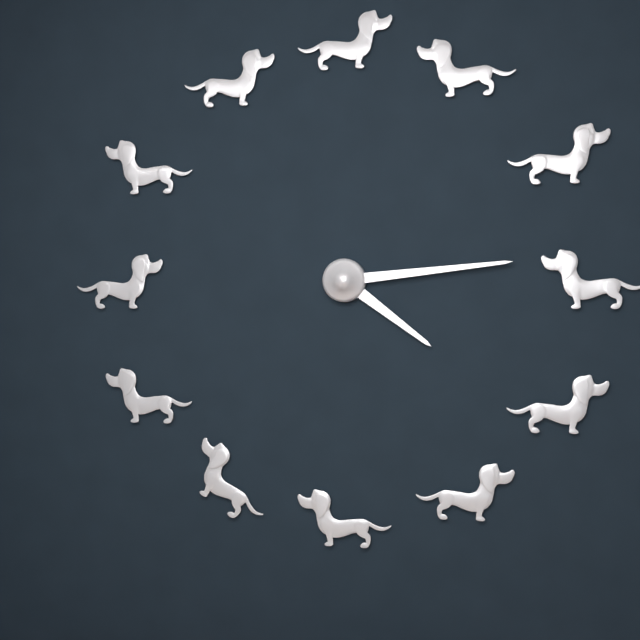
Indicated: 4 h 14 min
